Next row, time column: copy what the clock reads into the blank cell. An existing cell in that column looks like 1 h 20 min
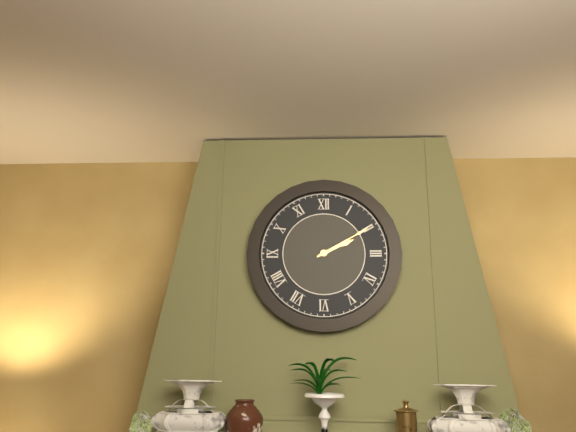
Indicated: 2 h 10 min
